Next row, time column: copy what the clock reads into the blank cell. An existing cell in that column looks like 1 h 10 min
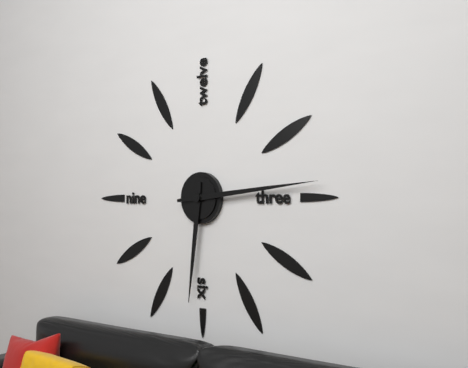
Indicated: 6 h 14 min
